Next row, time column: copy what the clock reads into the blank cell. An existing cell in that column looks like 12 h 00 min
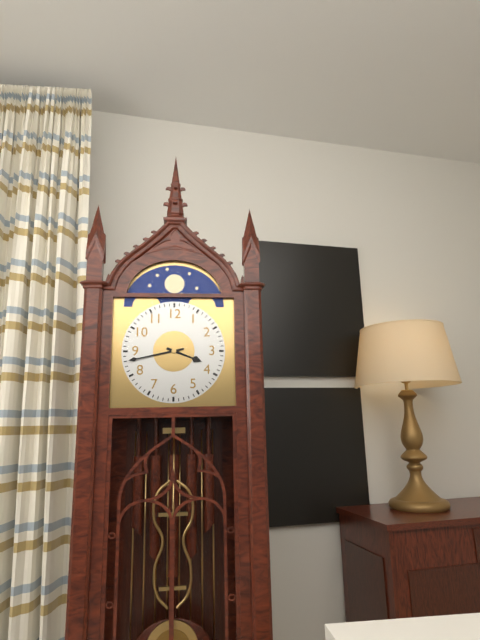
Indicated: 3 h 43 min
